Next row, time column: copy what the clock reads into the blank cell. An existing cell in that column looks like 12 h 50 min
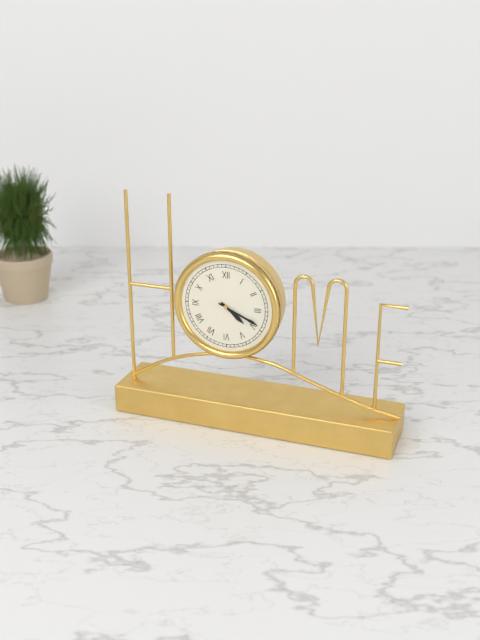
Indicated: 4 h 19 min
